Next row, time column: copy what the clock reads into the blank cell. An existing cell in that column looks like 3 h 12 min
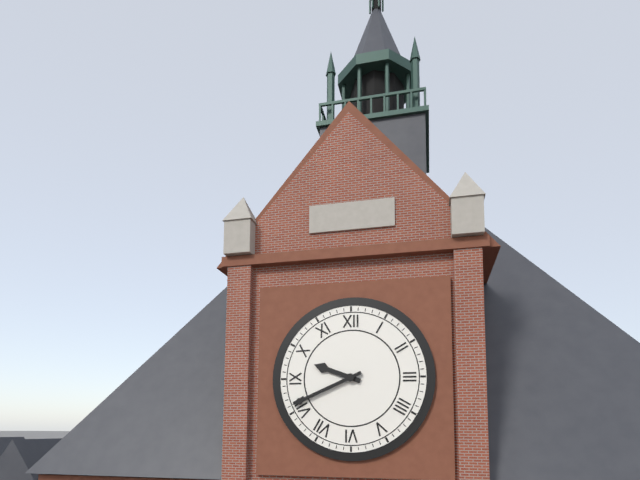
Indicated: 9 h 41 min
